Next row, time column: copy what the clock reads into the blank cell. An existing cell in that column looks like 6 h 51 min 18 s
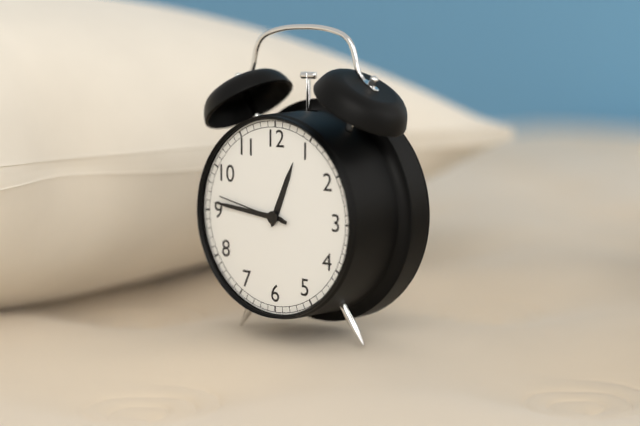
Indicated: 12 h 46 min 47 s
